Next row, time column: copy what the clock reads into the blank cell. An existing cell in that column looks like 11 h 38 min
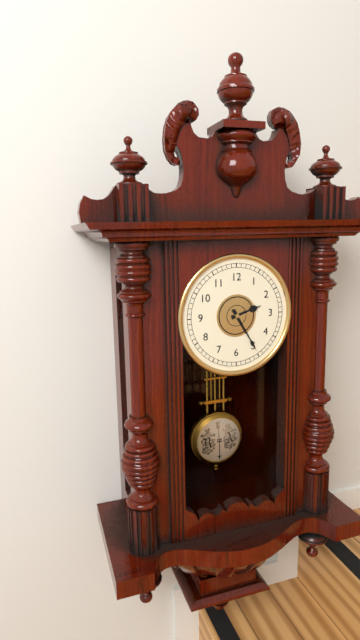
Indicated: 2 h 25 min
